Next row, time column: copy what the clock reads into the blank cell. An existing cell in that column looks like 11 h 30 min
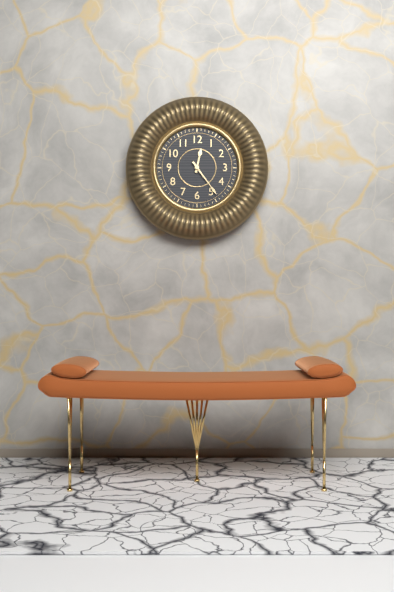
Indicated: 12 h 24 min
